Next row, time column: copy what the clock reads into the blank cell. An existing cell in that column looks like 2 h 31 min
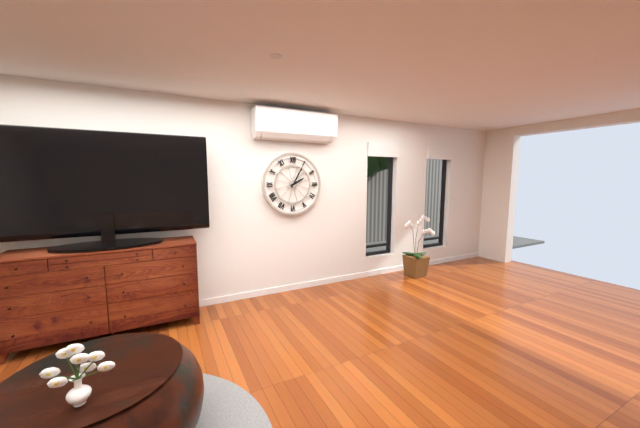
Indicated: 2 h 05 min
